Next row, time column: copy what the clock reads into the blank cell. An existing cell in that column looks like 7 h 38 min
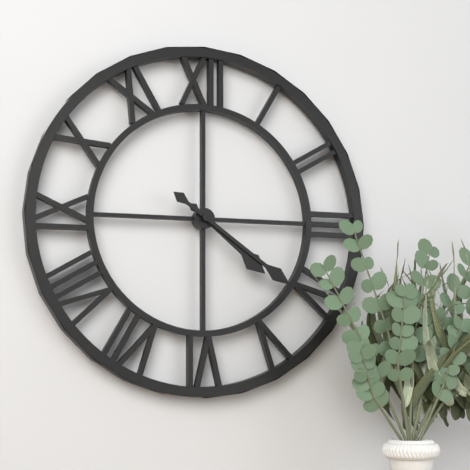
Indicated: 4 h 21 min
